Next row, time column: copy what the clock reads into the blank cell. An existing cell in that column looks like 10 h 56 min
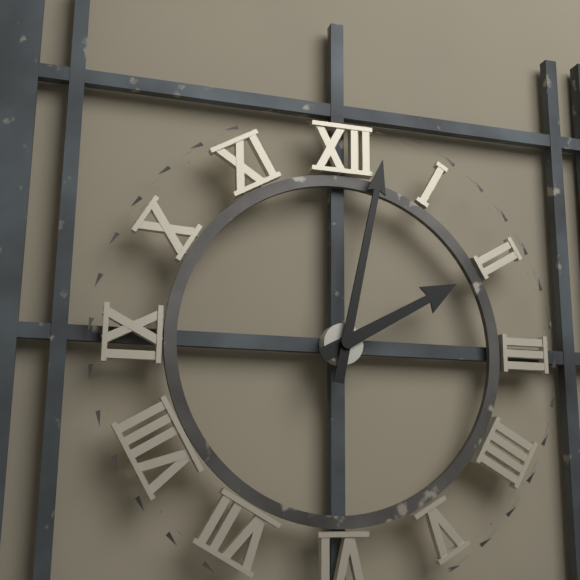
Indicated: 2 h 02 min
